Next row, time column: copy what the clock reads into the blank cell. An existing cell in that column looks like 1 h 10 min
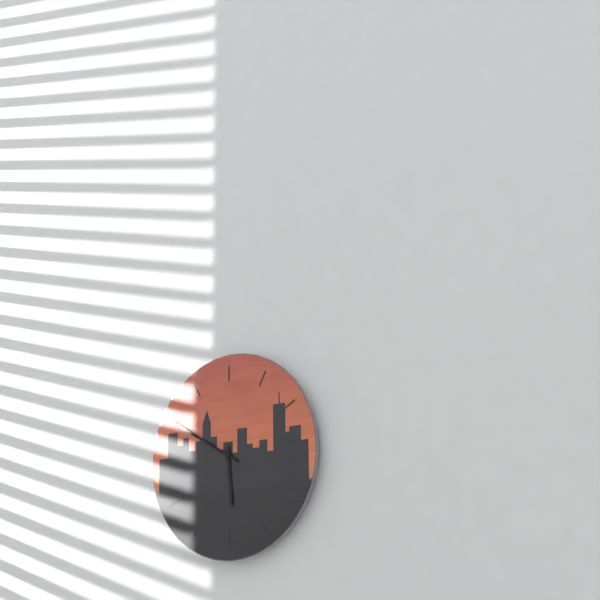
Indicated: 5 h 50 min
